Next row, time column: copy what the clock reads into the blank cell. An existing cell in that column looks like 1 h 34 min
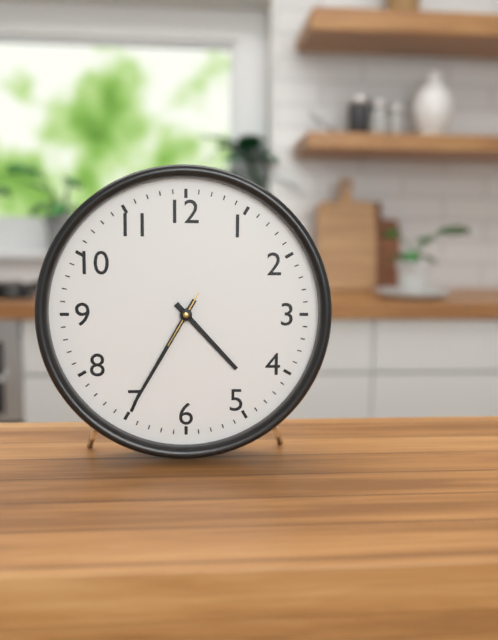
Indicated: 4 h 35 min
